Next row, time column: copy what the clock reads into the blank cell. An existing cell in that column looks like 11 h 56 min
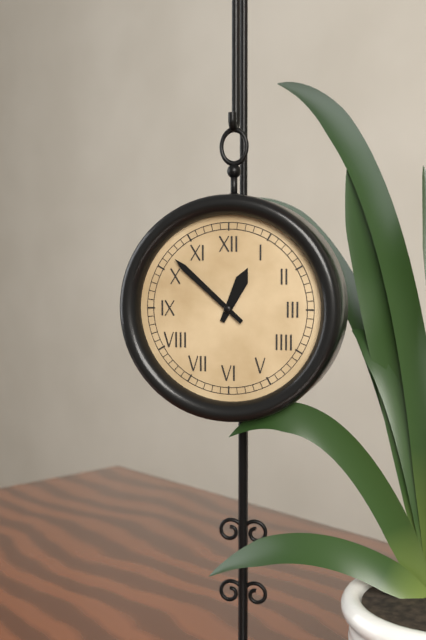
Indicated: 12 h 52 min
